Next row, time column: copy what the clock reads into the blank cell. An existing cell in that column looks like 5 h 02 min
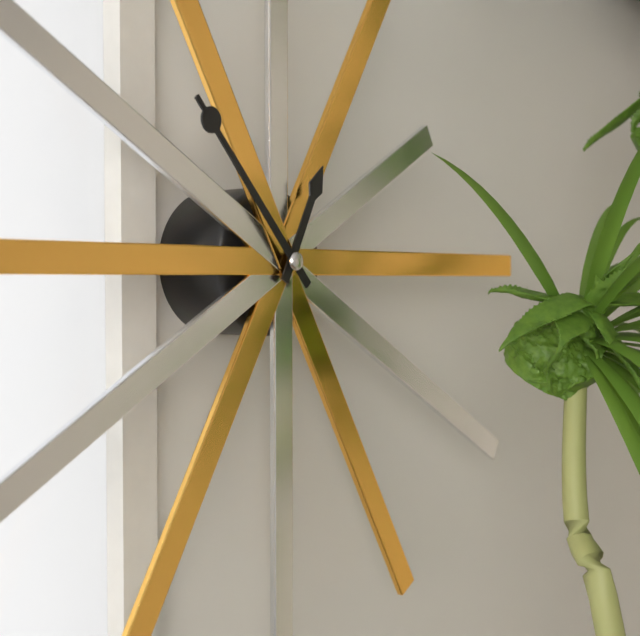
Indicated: 12 h 53 min
